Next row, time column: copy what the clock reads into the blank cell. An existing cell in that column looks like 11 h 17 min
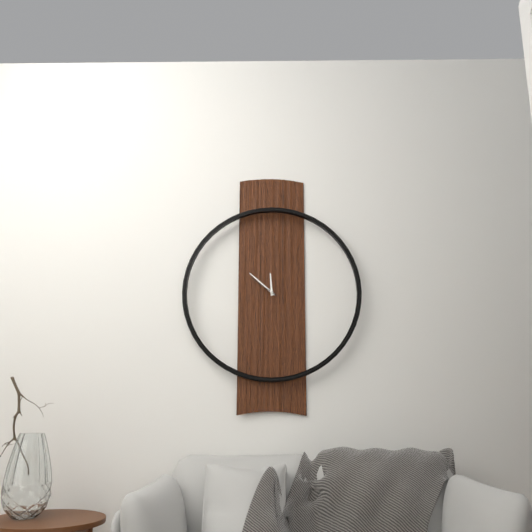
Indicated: 11 h 52 min
